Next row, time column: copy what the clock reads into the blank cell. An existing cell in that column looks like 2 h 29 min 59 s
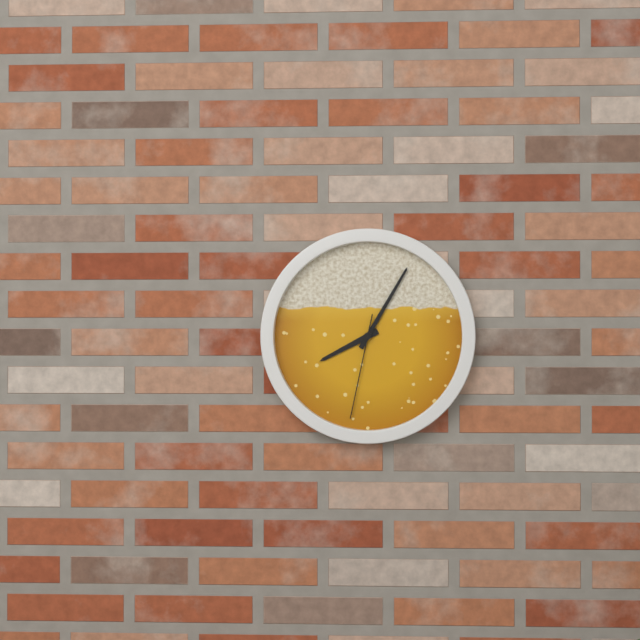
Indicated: 8 h 05 min 32 s
